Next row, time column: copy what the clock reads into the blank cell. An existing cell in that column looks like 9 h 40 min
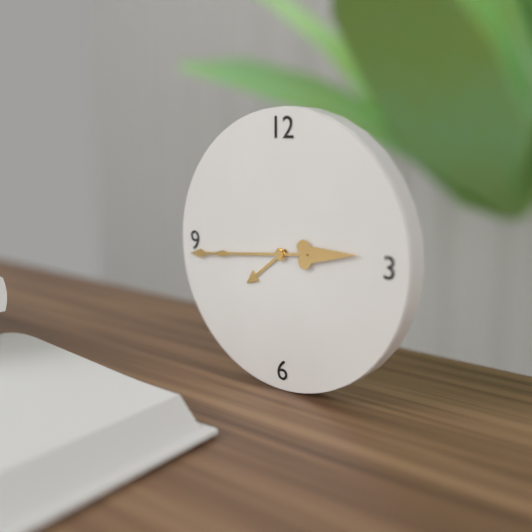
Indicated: 7 h 44 min
